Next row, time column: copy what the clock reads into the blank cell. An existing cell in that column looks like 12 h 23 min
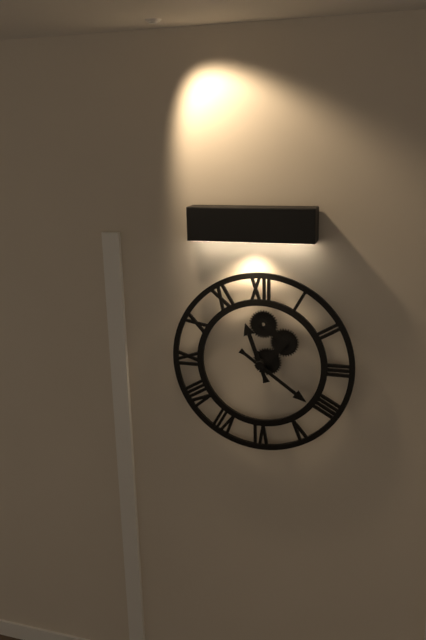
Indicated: 11 h 21 min
